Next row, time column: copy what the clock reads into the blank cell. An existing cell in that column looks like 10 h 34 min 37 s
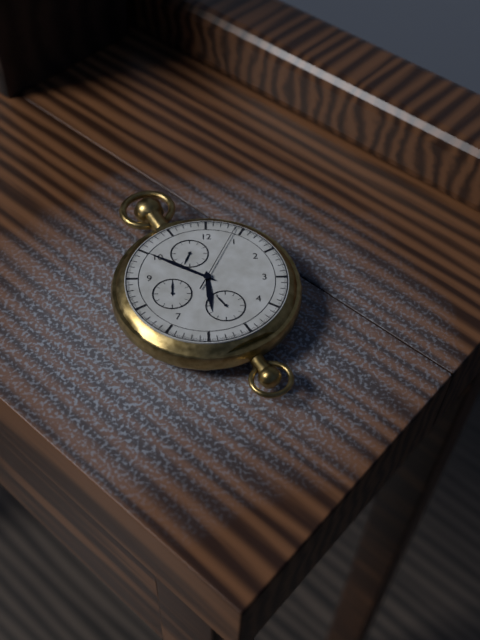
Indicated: 5 h 50 min 04 s
